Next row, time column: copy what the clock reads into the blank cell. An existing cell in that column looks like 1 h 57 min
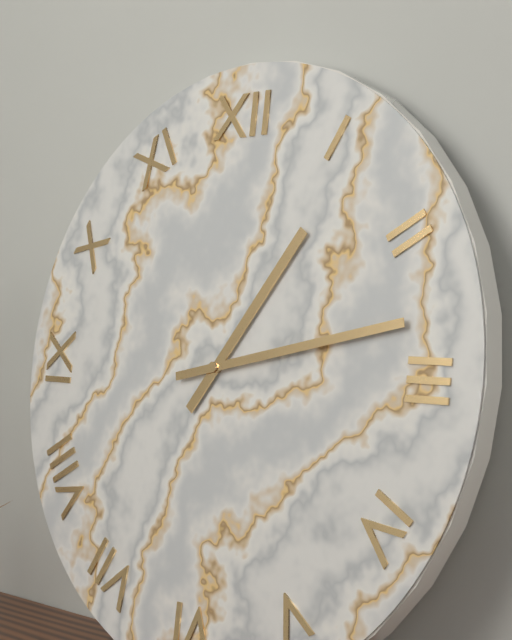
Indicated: 1 h 13 min
